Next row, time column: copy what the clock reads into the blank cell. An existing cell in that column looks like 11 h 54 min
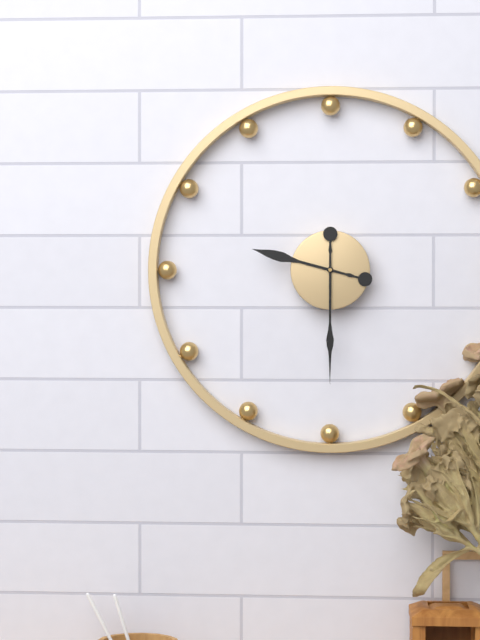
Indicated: 9 h 30 min
